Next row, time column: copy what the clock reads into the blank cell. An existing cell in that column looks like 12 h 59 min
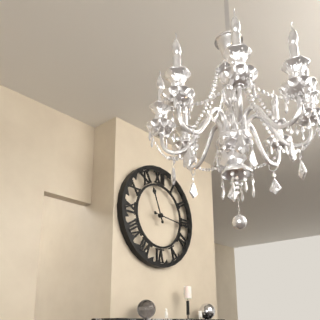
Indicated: 11 h 16 min
